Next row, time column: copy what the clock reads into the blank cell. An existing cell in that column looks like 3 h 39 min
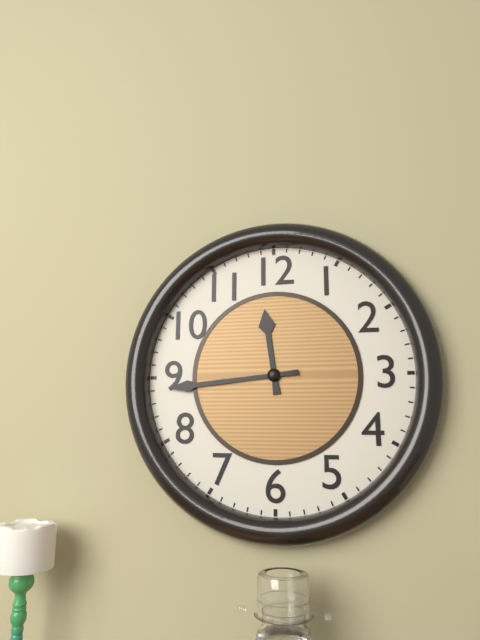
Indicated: 11 h 44 min
